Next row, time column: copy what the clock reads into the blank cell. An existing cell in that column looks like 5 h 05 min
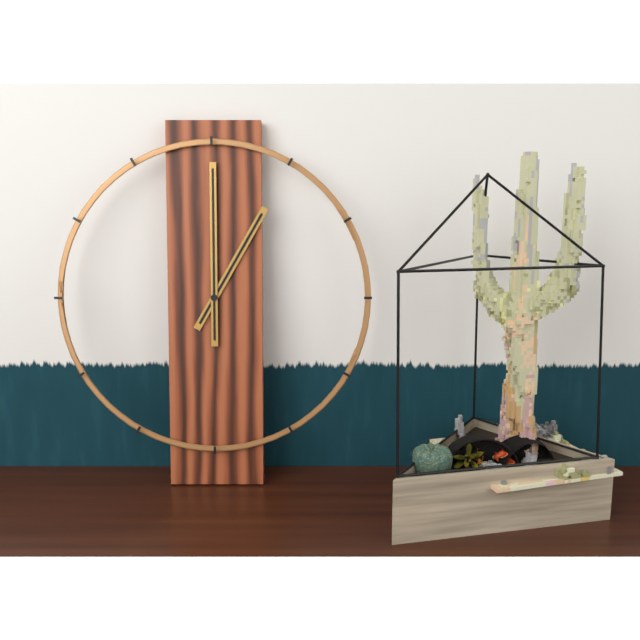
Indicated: 1 h 00 min
